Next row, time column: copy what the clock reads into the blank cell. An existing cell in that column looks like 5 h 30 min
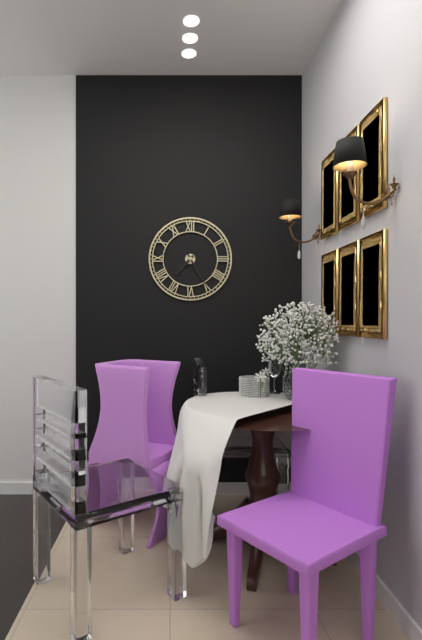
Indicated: 7 h 25 min
